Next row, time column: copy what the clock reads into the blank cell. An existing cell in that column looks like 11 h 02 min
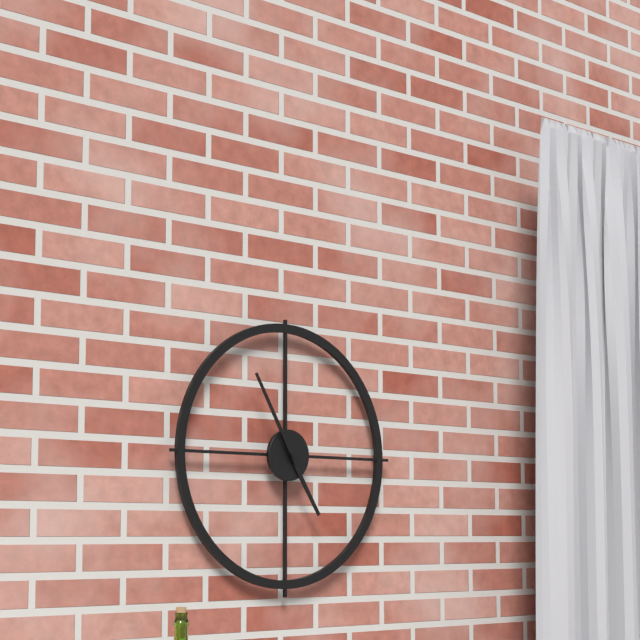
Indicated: 4 h 55 min
